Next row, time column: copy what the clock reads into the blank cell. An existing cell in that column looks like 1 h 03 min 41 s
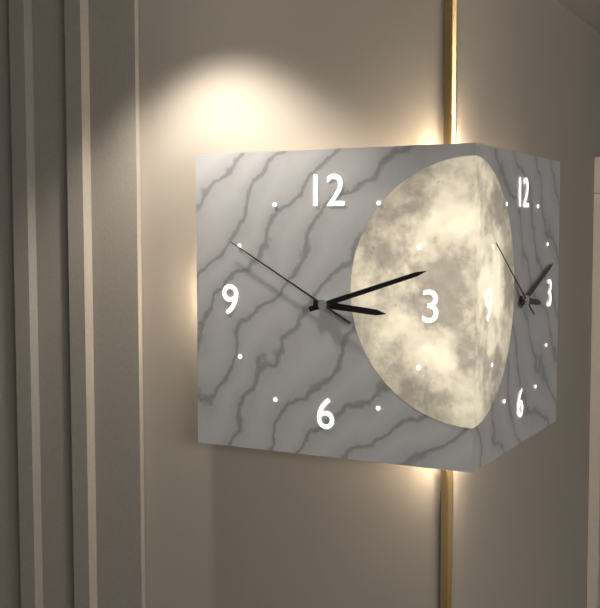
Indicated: 3 h 12 min 50 s
